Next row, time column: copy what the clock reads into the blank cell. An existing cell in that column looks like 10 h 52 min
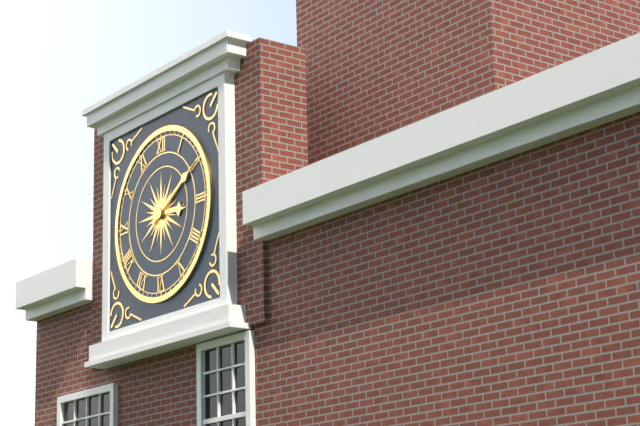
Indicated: 3 h 10 min
